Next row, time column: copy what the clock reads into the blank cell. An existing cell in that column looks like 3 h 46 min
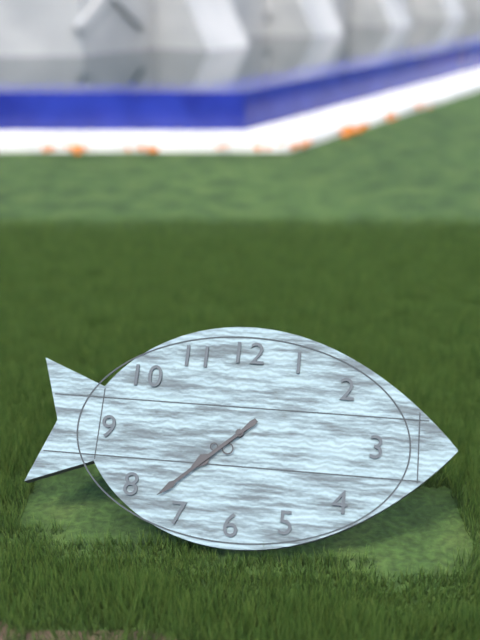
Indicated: 7 h 38 min
